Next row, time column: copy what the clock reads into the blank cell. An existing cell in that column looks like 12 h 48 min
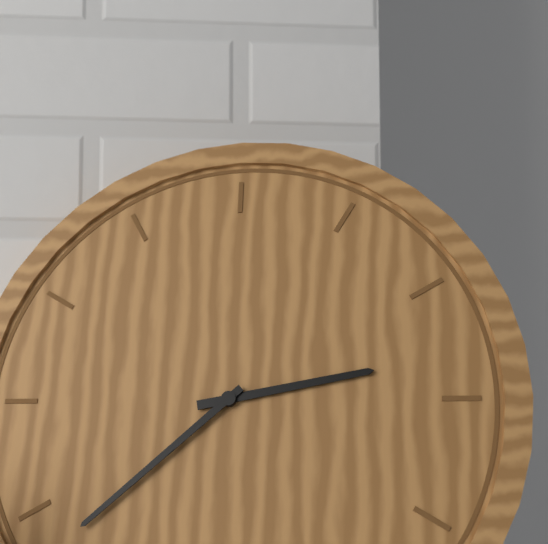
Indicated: 2 h 38 min
